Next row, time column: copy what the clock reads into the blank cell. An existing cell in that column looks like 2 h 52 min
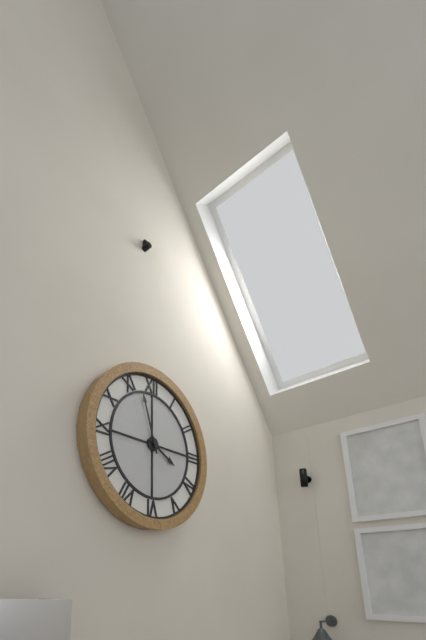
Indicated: 3 h 57 min
